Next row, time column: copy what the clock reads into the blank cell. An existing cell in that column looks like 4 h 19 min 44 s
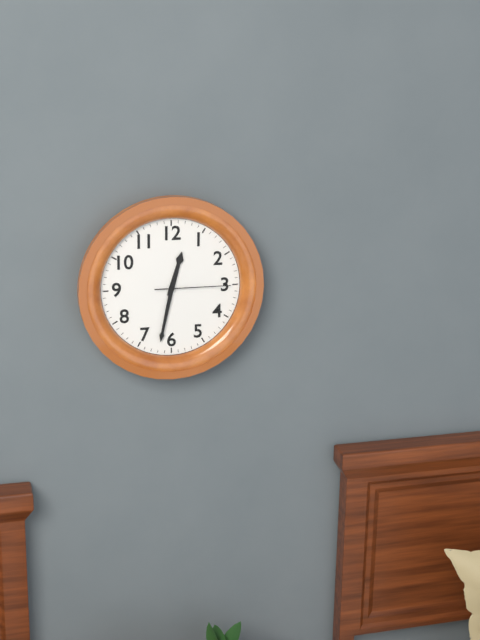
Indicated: 12 h 32 min 15 s
